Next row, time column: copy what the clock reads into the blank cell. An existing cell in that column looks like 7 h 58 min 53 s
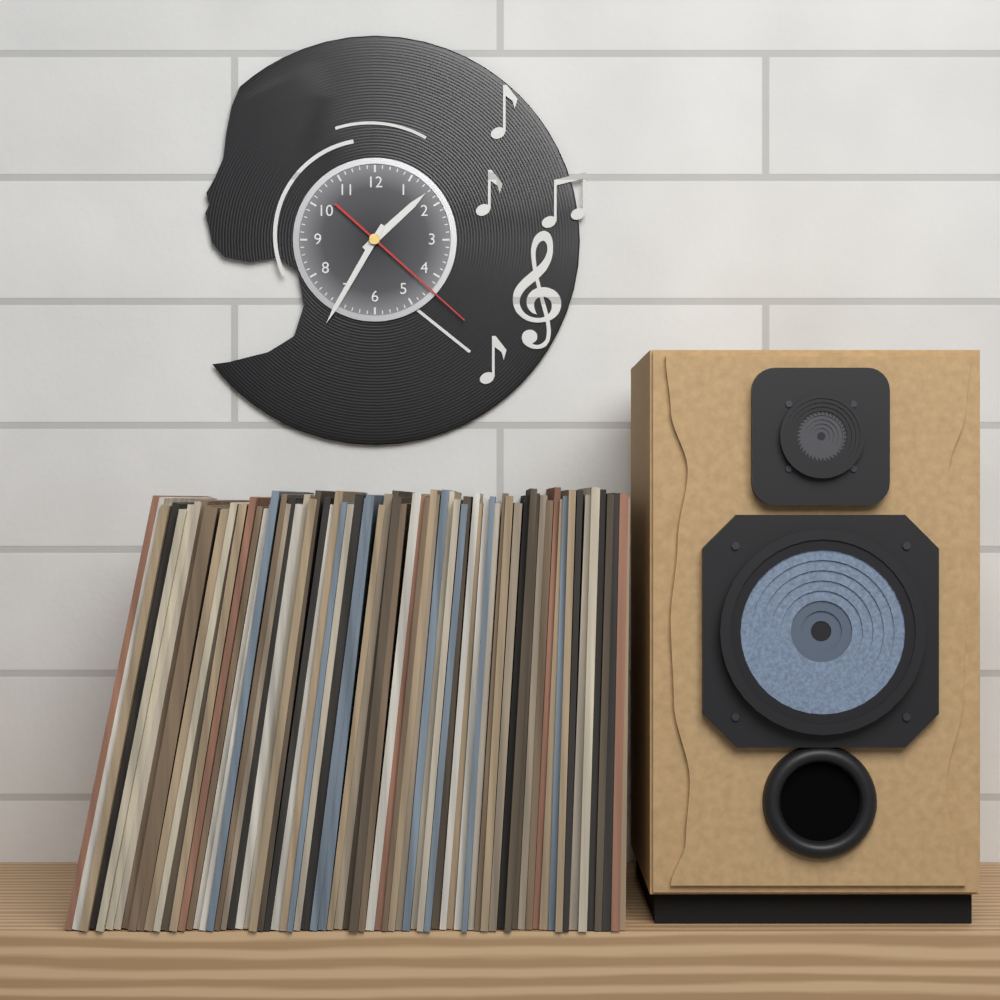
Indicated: 1 h 35 min 22 s
